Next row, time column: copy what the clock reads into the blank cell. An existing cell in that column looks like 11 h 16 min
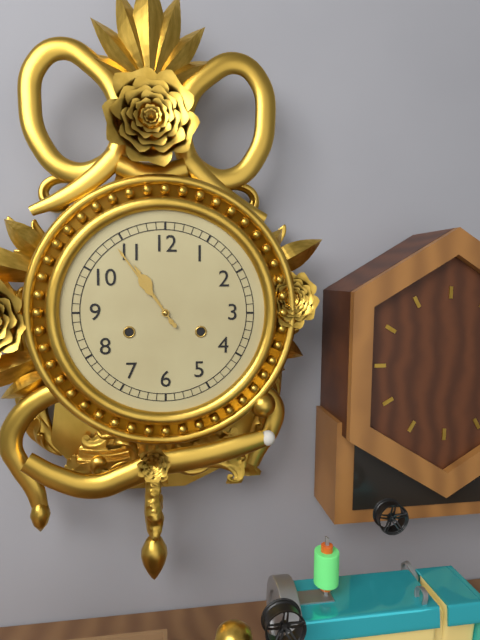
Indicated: 10 h 54 min
